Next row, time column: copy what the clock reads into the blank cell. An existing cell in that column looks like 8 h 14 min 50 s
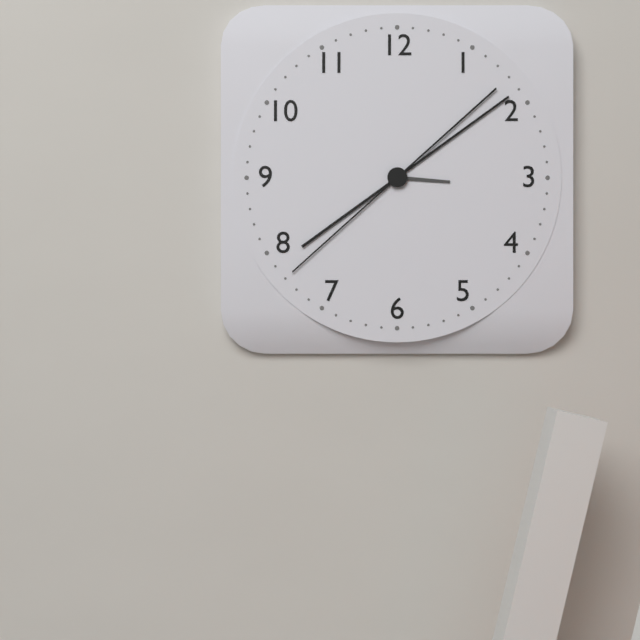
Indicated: 3 h 09 min 38 s
